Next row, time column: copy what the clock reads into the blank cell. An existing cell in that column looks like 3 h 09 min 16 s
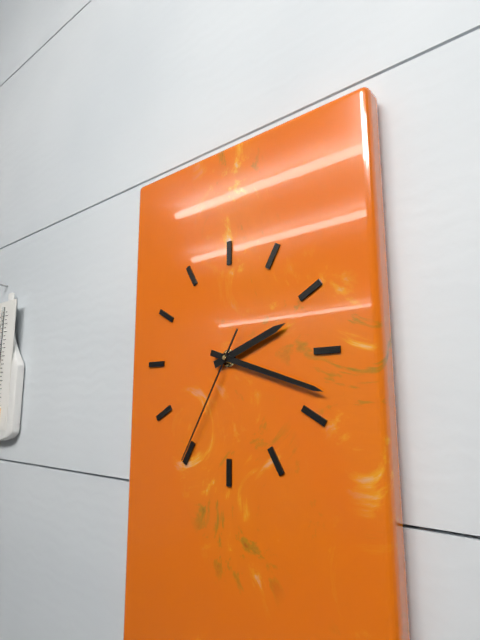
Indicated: 2 h 18 min 35 s
